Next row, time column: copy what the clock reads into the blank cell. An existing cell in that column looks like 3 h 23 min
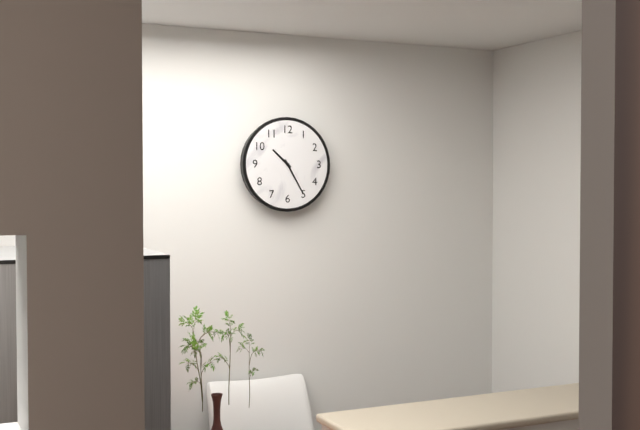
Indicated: 10 h 25 min
